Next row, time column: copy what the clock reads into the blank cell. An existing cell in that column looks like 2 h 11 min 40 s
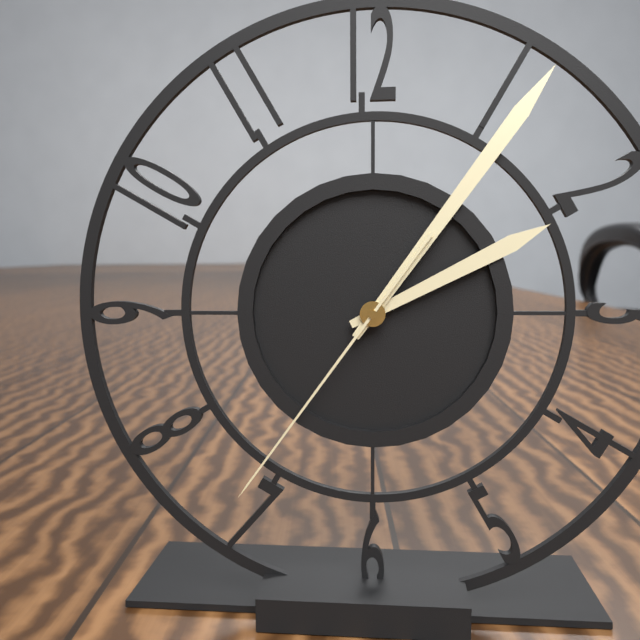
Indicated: 2 h 06 min 36 s
